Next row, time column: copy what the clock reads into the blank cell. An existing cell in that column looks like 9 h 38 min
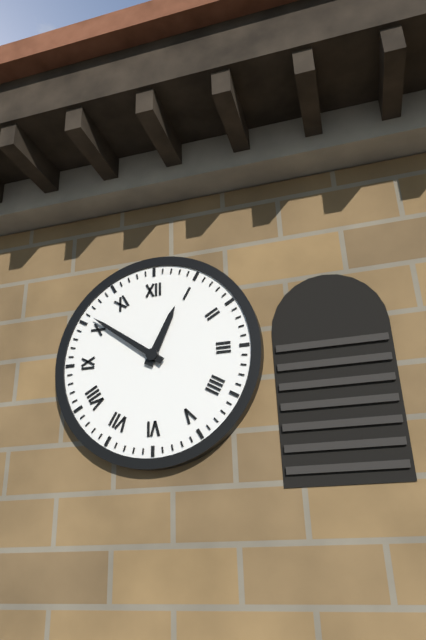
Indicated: 12 h 51 min
